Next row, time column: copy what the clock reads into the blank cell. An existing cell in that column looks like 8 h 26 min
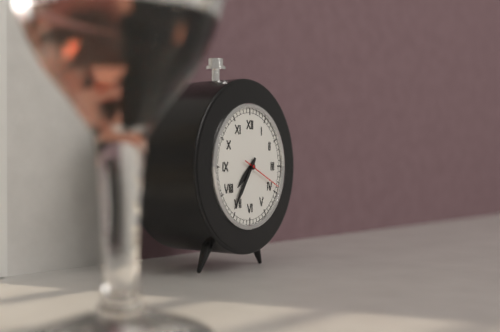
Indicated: 7 h 36 min
